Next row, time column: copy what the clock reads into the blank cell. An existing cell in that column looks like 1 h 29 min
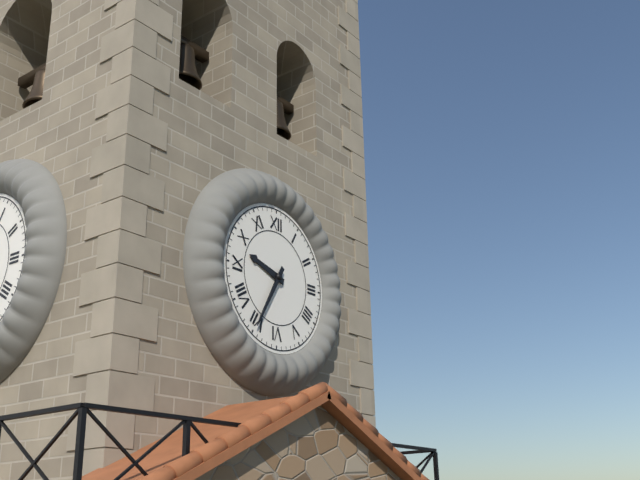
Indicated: 9 h 35 min
